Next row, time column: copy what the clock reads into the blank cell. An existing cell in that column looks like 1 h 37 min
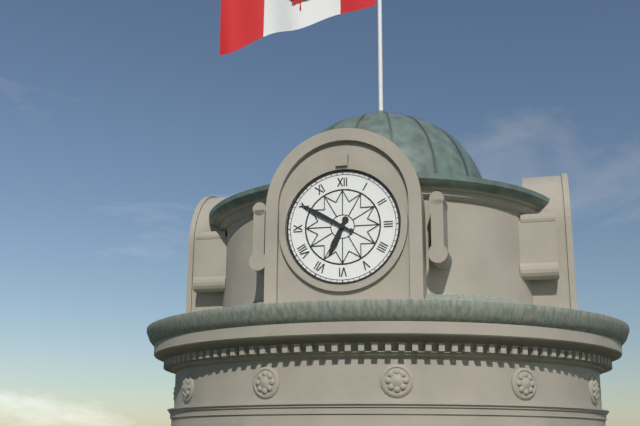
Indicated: 6 h 50 min
